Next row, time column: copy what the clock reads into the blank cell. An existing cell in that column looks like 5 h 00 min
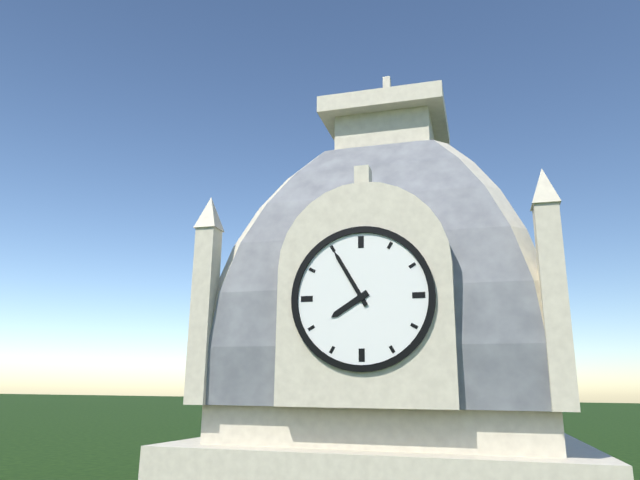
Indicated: 7 h 55 min
